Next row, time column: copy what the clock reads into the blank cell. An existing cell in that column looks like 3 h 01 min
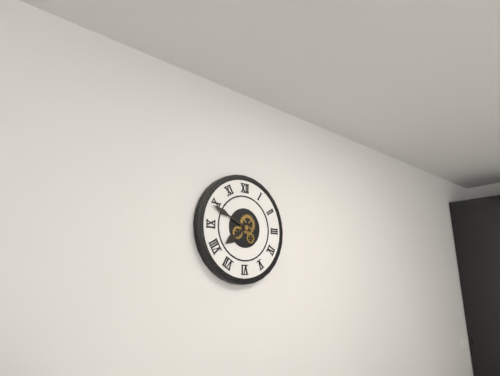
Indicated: 7 h 49 min
